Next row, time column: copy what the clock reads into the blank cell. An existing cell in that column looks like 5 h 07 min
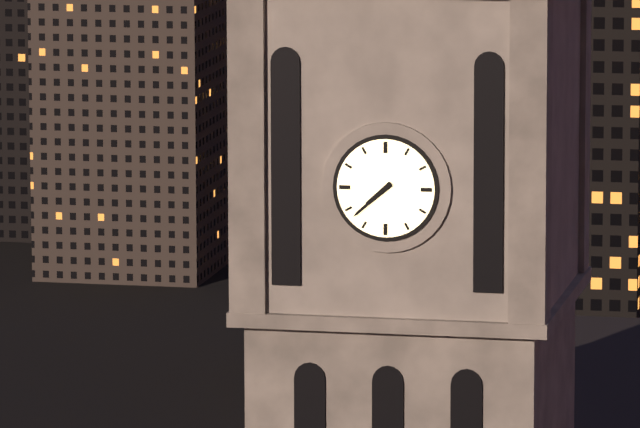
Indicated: 7 h 38 min
